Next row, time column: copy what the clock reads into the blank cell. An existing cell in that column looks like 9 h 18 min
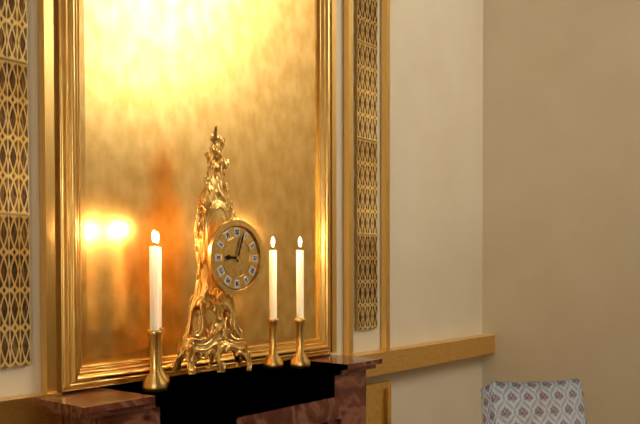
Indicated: 9 h 03 min
